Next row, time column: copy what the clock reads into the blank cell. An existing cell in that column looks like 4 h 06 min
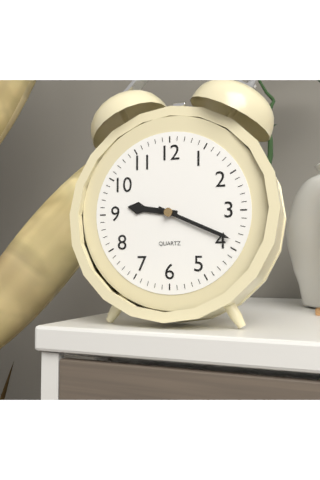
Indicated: 9 h 19 min
